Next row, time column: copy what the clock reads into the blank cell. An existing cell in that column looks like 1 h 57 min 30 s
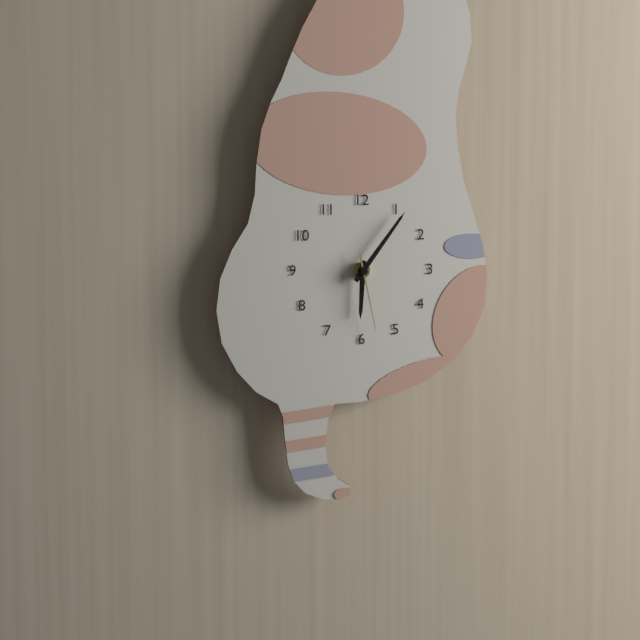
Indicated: 6 h 06 min 28 s
